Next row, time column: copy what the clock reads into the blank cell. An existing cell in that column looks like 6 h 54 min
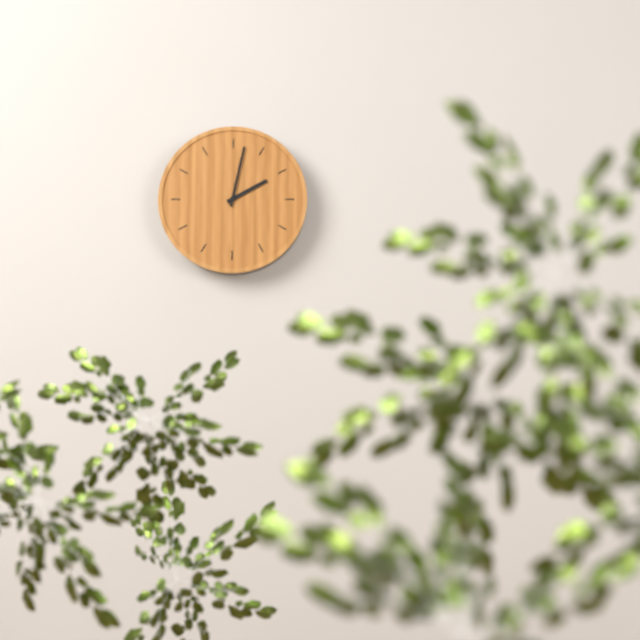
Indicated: 2 h 02 min
